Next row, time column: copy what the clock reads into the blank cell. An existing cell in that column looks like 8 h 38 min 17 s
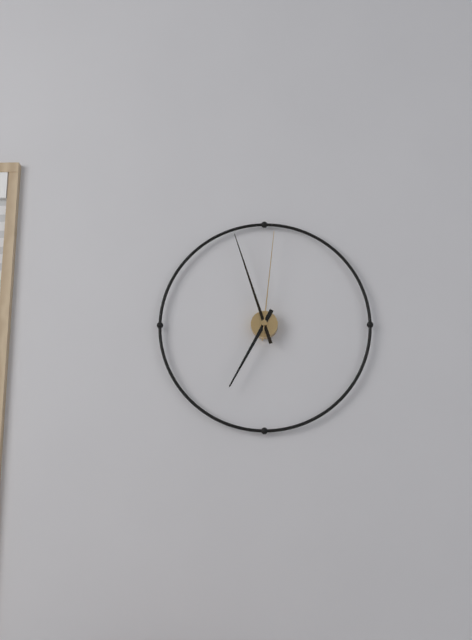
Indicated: 6 h 57 min 01 s
